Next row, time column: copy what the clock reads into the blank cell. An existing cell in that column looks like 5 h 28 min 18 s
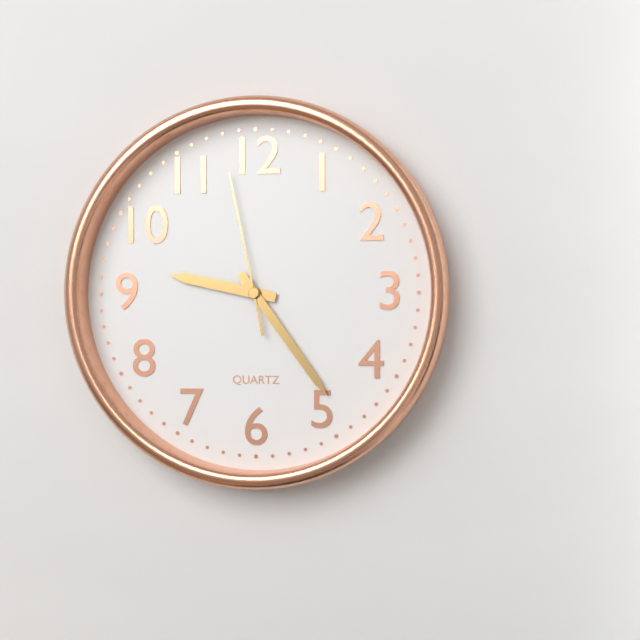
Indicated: 9 h 24 min 58 s
